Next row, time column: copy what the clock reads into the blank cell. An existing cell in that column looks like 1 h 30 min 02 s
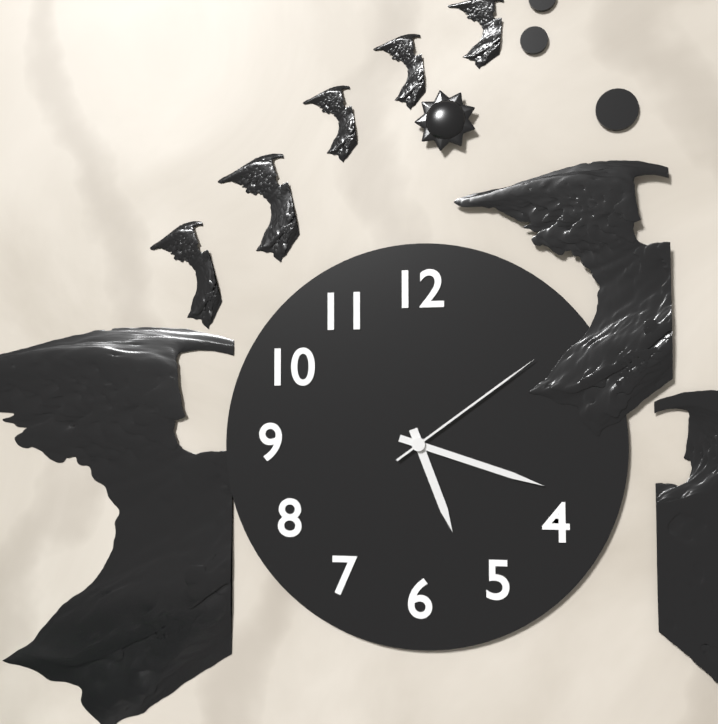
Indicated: 5 h 18 min 09 s
